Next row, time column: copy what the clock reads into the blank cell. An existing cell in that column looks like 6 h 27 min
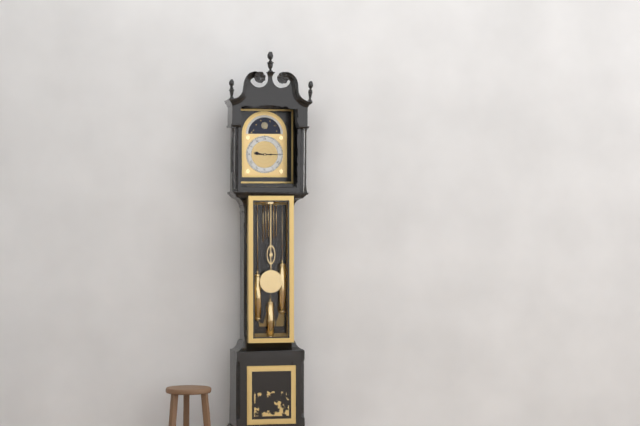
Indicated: 9 h 15 min
